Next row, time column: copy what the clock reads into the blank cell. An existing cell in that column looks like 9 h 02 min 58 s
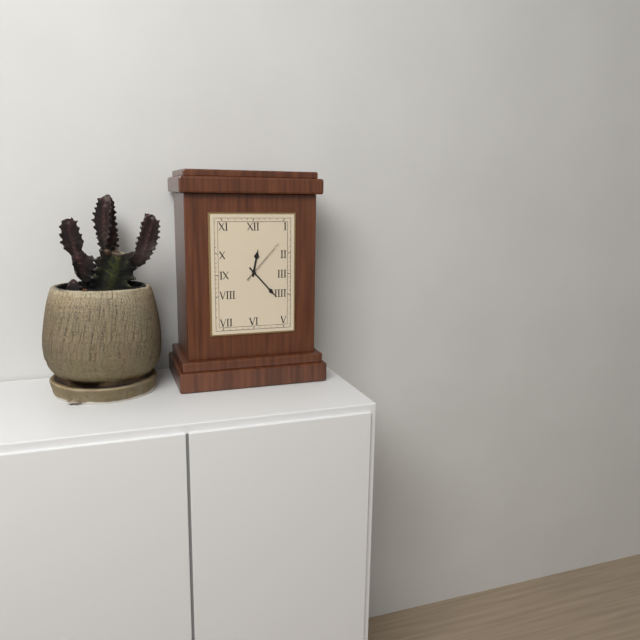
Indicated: 12 h 23 min 07 s
